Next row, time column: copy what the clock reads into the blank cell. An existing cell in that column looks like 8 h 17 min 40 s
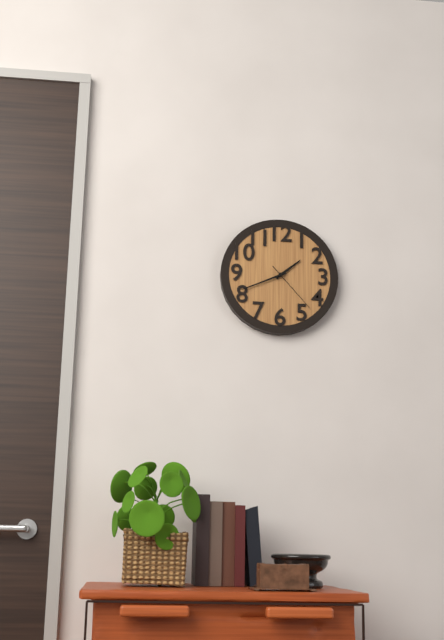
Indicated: 1 h 41 min 23 s
